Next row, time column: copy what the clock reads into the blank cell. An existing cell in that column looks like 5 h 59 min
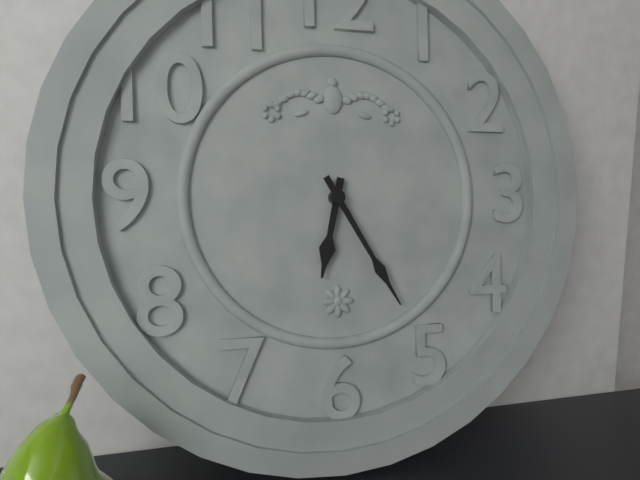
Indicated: 6 h 25 min
